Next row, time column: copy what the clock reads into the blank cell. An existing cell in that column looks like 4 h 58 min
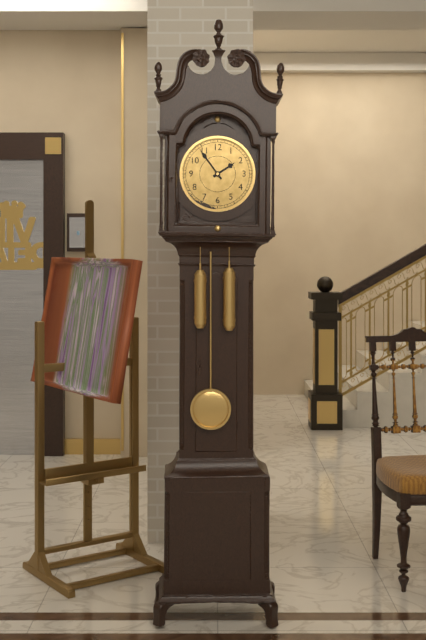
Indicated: 1 h 54 min
